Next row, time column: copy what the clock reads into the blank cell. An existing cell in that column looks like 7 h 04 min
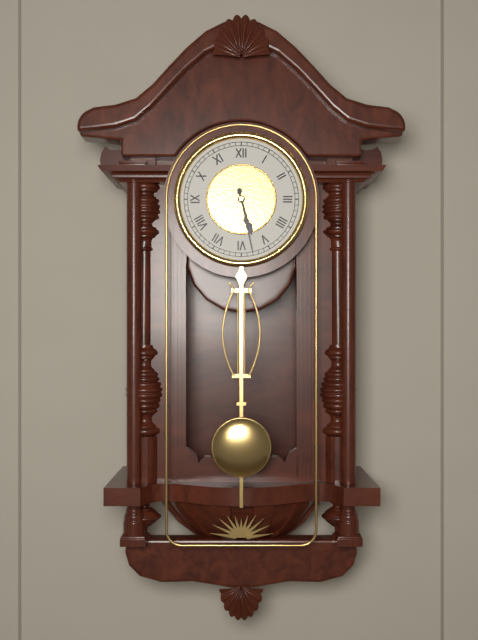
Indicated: 5 h 28 min
